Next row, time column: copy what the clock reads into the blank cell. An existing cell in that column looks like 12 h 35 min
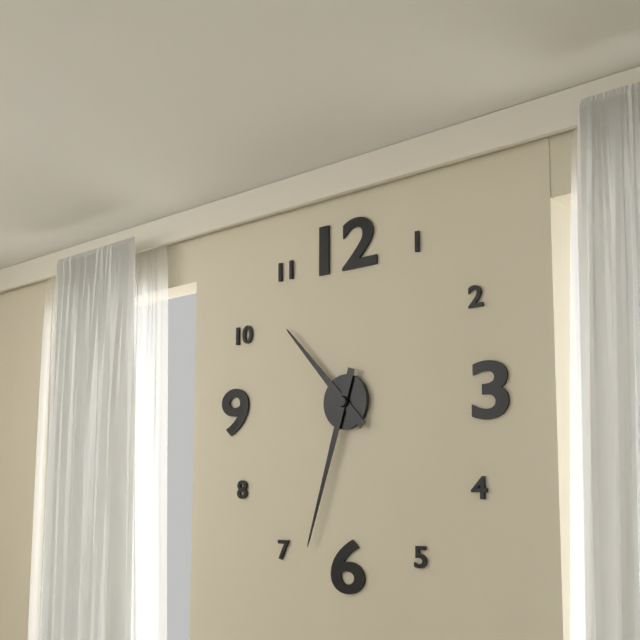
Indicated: 10 h 33 min
